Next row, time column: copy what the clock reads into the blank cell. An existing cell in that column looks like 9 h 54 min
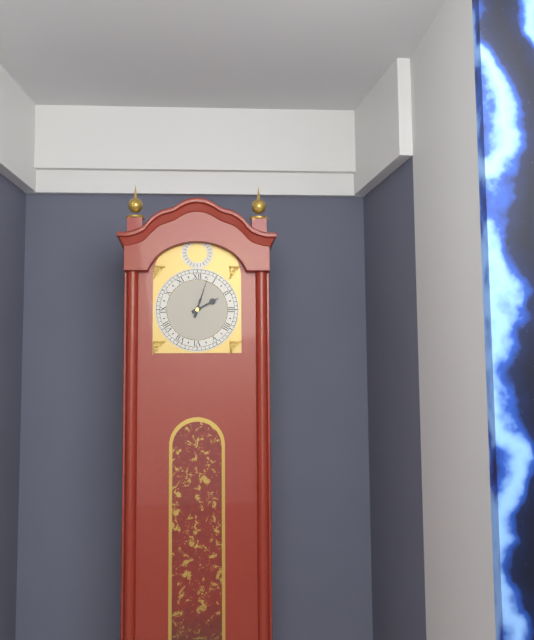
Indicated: 2 h 03 min
